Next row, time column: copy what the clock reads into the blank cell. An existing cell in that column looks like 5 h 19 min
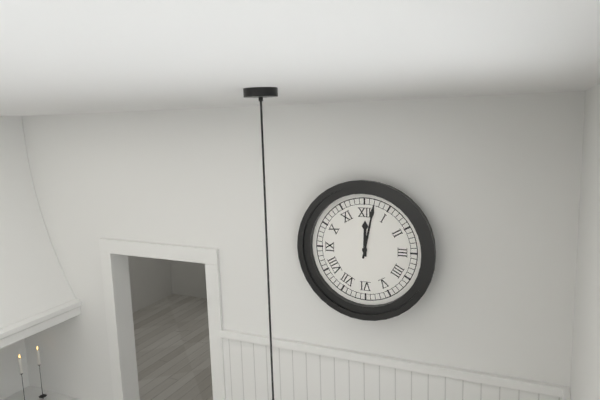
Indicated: 12 h 02 min
